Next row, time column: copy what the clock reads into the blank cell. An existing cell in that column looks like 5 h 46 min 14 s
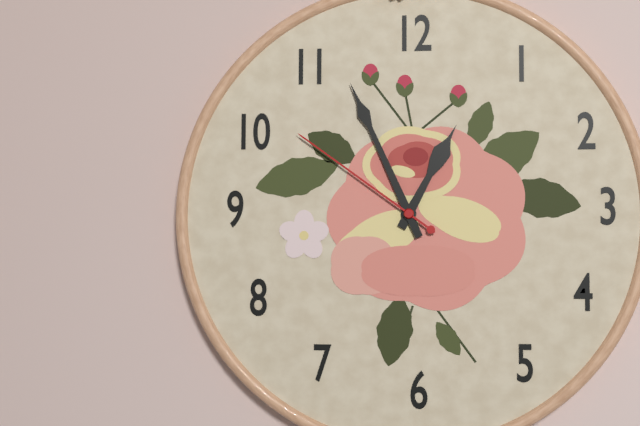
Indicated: 12 h 56 min 51 s
